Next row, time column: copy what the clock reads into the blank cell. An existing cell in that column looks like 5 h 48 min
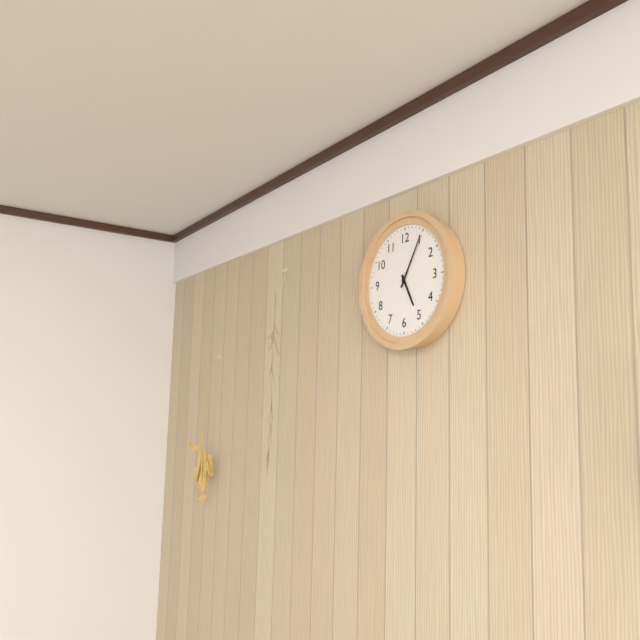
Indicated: 5 h 05 min
